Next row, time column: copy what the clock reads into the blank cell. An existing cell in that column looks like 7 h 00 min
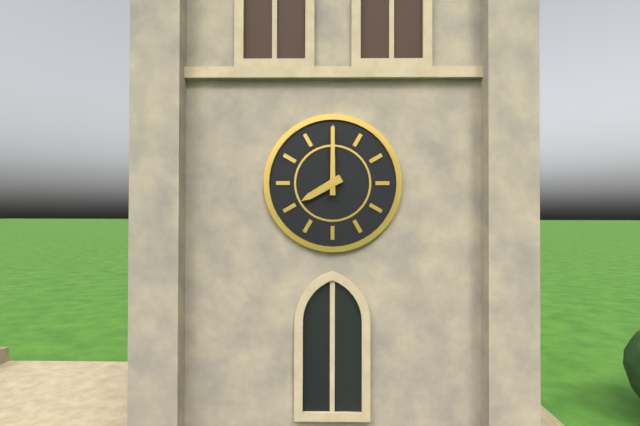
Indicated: 8 h 00 min
